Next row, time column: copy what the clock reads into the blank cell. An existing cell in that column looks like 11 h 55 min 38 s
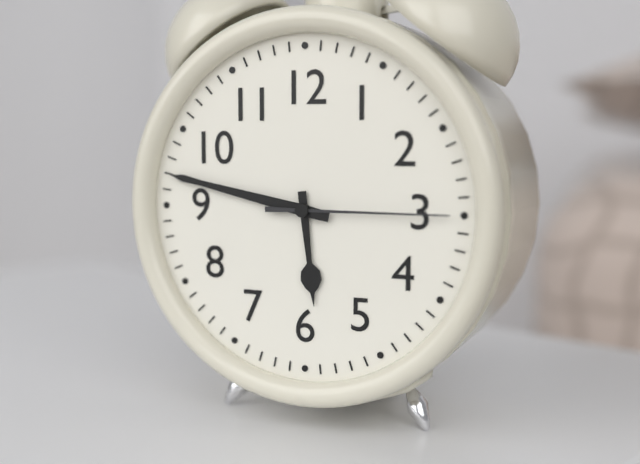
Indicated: 5 h 47 min 15 s
